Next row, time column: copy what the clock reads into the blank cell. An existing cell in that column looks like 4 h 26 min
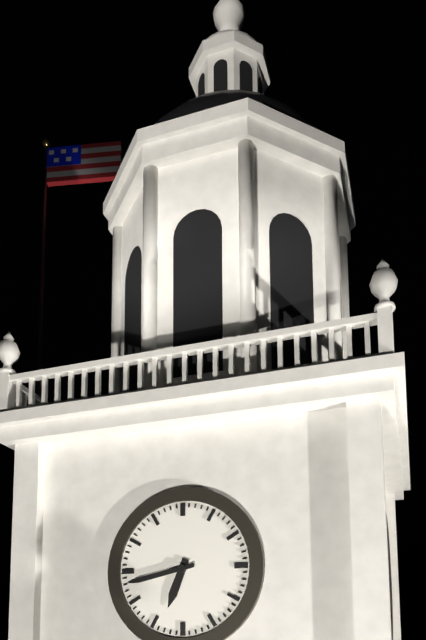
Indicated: 6 h 43 min
